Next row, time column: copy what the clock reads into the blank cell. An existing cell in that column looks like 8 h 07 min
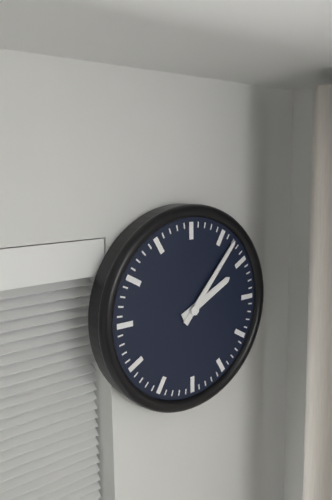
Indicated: 2 h 07 min
